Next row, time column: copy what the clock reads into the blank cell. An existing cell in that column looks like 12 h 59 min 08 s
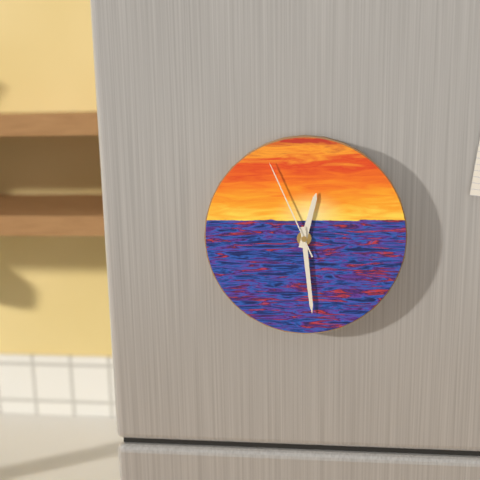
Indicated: 12 h 29 min 56 s
